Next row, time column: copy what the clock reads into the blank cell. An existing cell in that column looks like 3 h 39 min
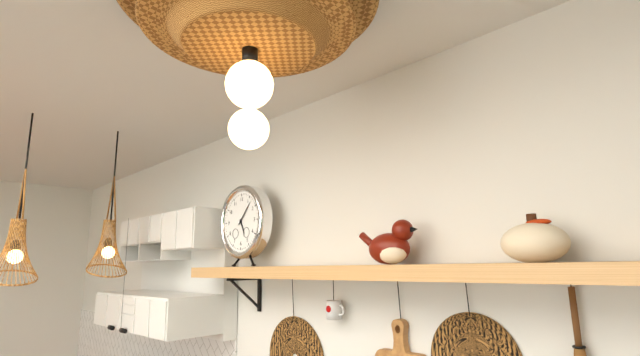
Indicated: 5 h 07 min
